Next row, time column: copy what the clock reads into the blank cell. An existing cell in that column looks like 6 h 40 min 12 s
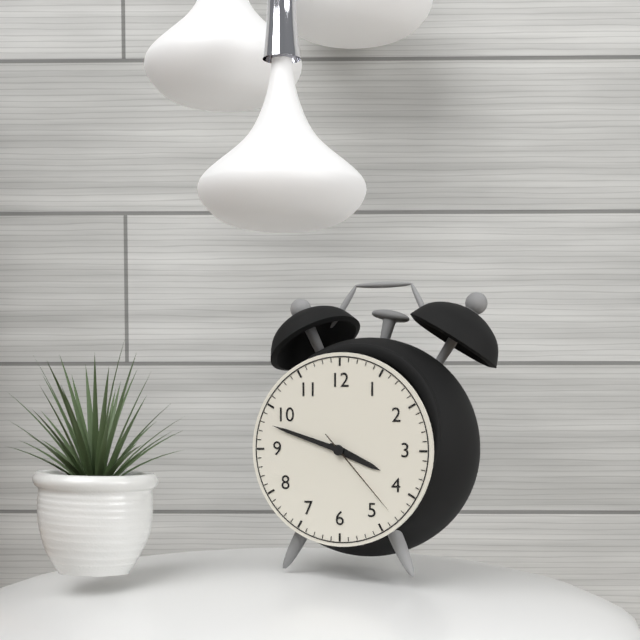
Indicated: 3 h 48 min 23 s
